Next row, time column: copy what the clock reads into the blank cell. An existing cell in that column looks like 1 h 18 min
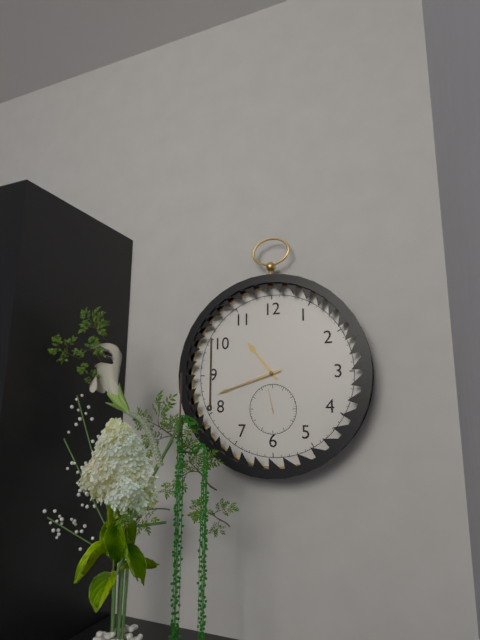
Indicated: 10 h 42 min
